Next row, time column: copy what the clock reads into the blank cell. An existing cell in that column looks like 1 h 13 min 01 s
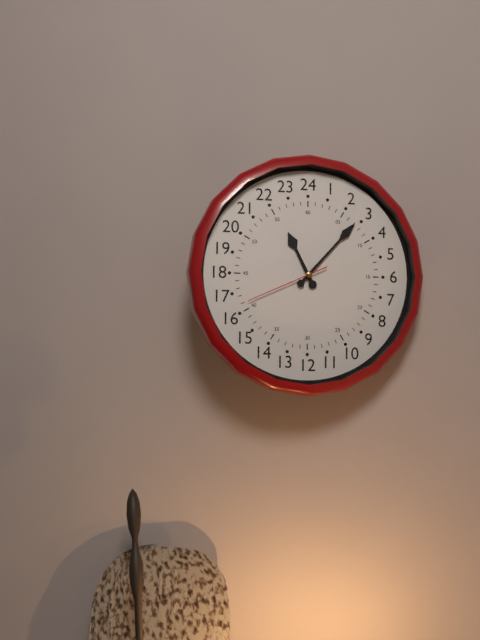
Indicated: 11 h 07 min 41 s
